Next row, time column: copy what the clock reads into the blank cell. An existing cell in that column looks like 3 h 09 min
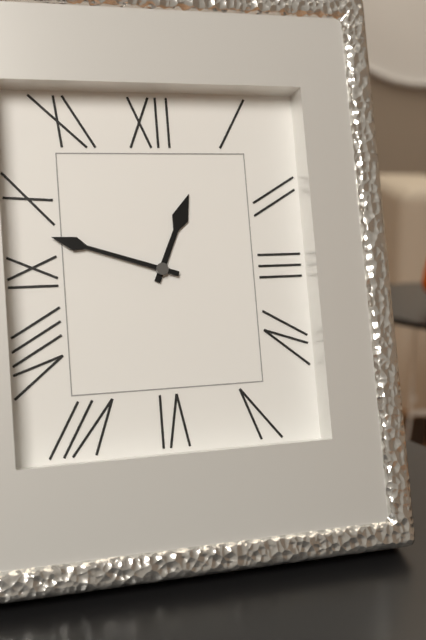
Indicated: 12 h 48 min
